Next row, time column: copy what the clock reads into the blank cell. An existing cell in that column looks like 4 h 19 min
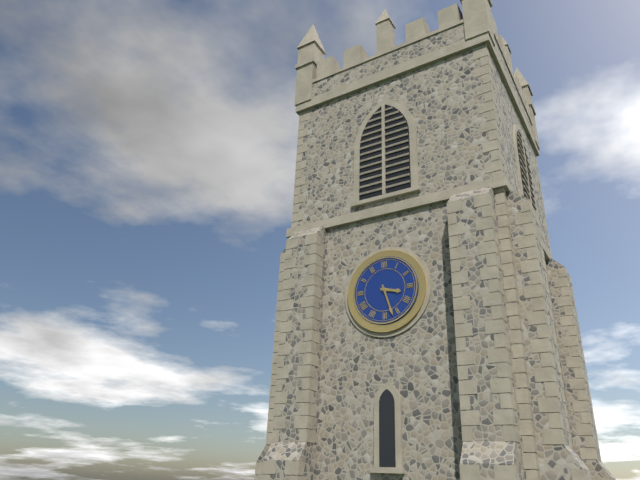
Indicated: 3 h 27 min
